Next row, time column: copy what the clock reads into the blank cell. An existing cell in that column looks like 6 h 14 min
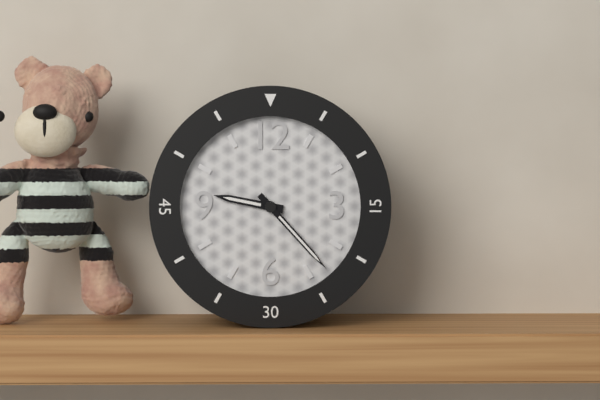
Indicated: 9 h 23 min
